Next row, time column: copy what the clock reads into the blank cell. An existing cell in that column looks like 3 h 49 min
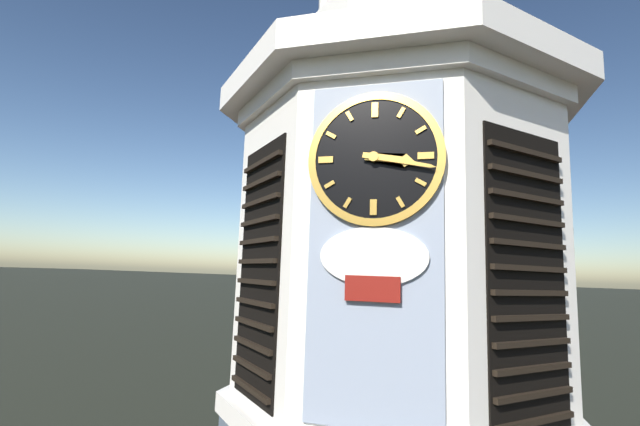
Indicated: 3 h 17 min
